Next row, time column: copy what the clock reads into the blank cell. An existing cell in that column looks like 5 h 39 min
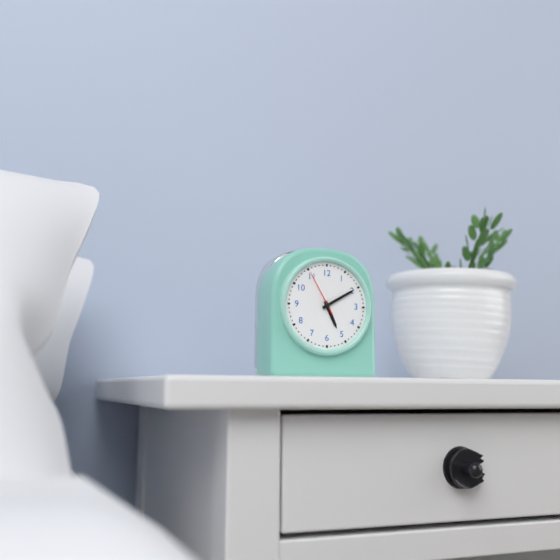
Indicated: 5 h 10 min
